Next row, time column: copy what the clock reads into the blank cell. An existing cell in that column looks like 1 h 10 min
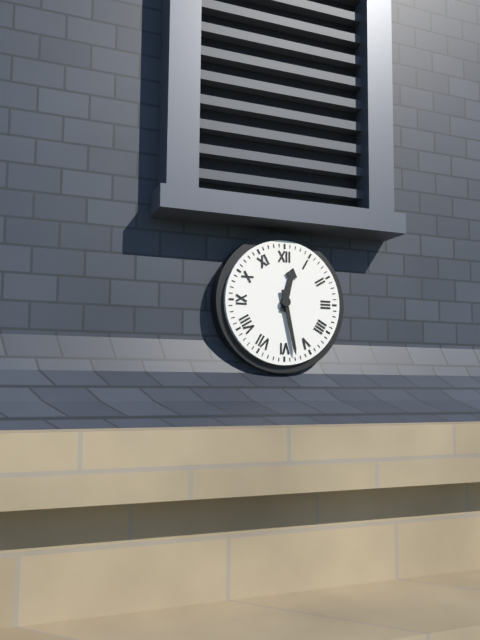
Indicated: 12 h 28 min
